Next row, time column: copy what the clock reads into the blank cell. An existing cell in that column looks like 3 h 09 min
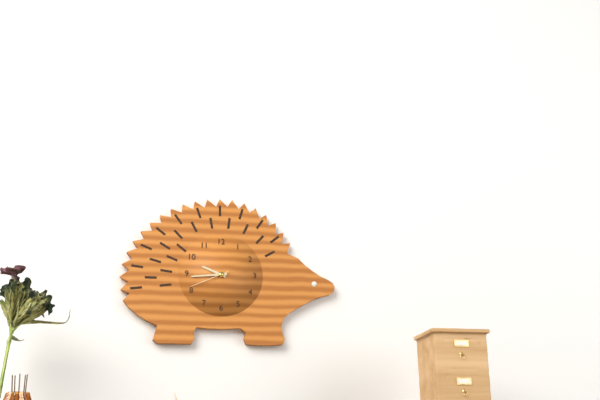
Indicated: 9 h 44 min
